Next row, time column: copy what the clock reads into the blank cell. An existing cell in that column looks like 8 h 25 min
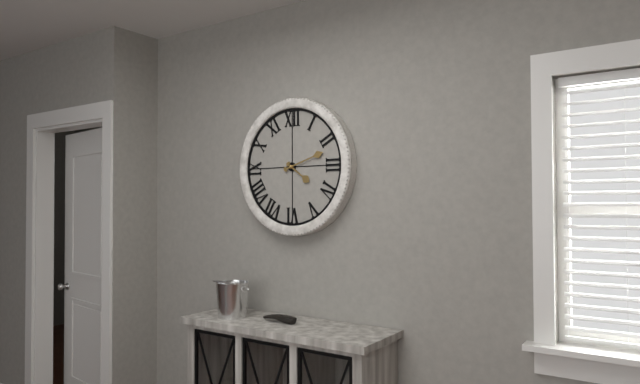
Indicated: 4 h 12 min
